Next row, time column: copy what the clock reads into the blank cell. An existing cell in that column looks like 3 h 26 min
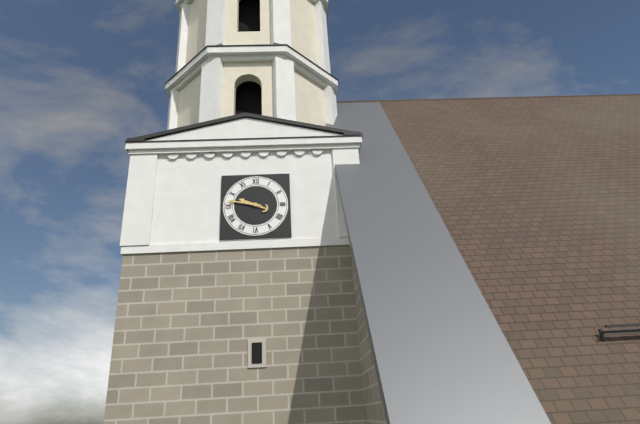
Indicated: 9 h 47 min
